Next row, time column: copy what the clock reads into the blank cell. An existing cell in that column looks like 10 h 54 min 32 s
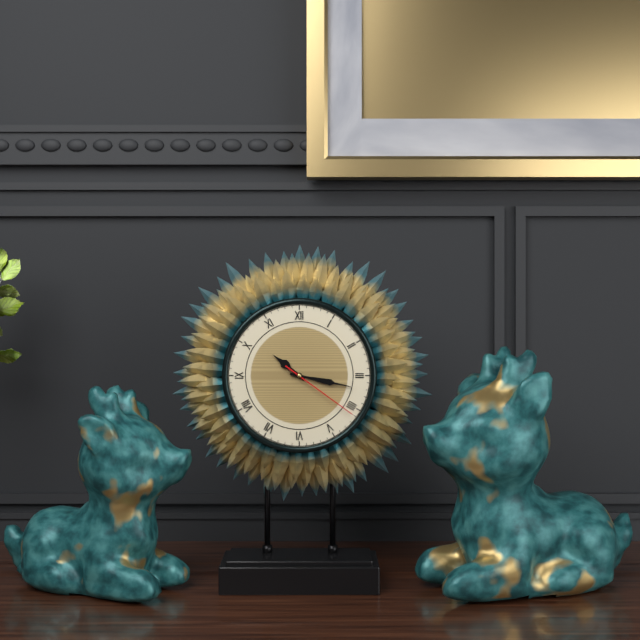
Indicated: 10 h 17 min 21 s
